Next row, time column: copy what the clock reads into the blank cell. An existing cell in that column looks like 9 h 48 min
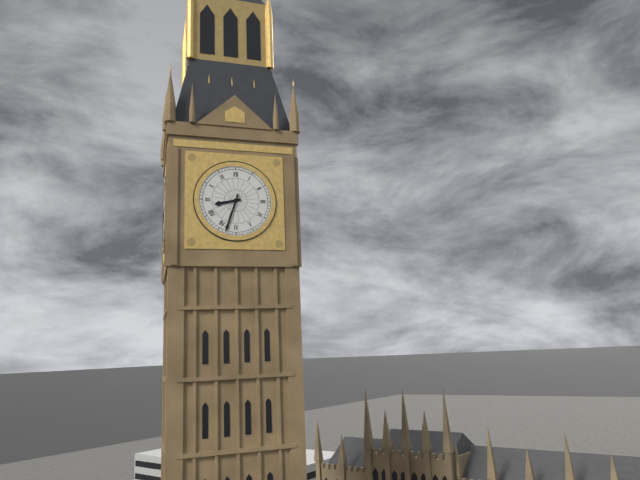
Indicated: 8 h 33 min
